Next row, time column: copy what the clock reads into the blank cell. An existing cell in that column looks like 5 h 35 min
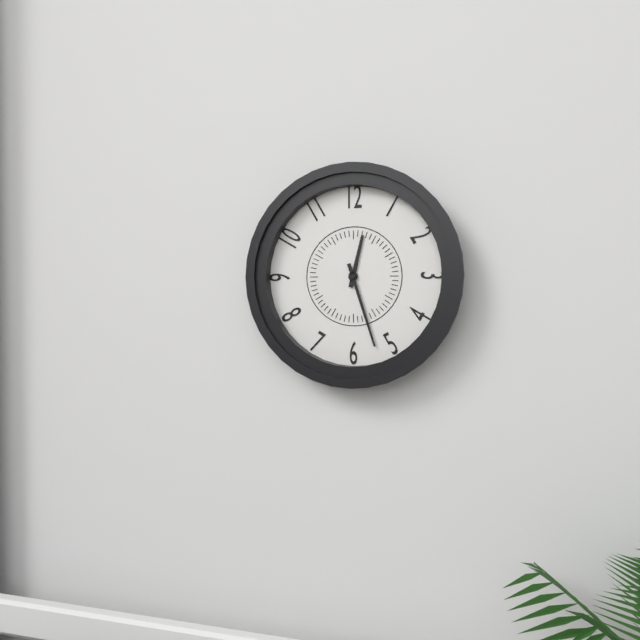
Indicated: 12 h 27 min
